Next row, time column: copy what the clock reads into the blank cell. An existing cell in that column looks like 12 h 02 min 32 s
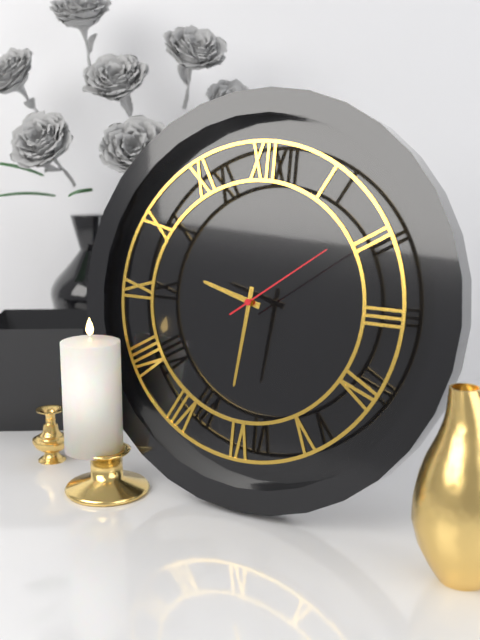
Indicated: 9 h 31 min 09 s
